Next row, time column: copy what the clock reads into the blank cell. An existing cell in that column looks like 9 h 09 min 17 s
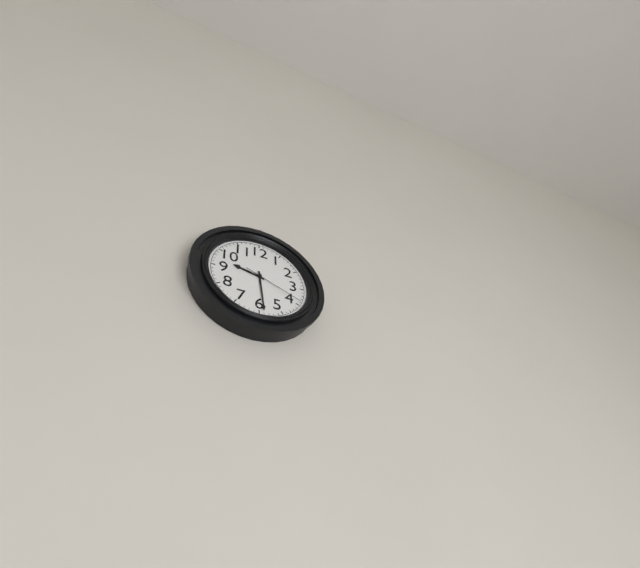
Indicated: 9 h 29 min 19 s
